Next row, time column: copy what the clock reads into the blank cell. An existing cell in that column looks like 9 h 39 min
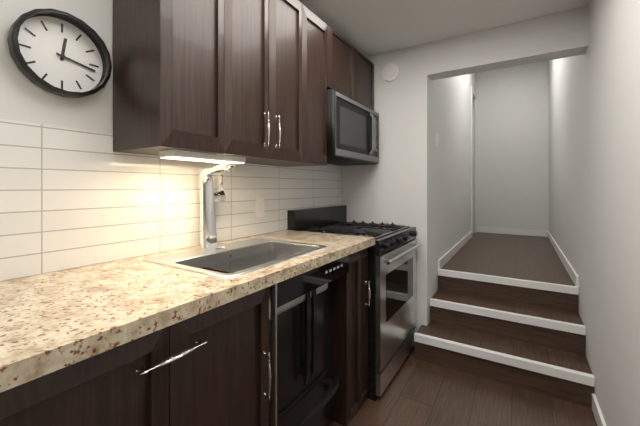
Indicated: 12 h 17 min
